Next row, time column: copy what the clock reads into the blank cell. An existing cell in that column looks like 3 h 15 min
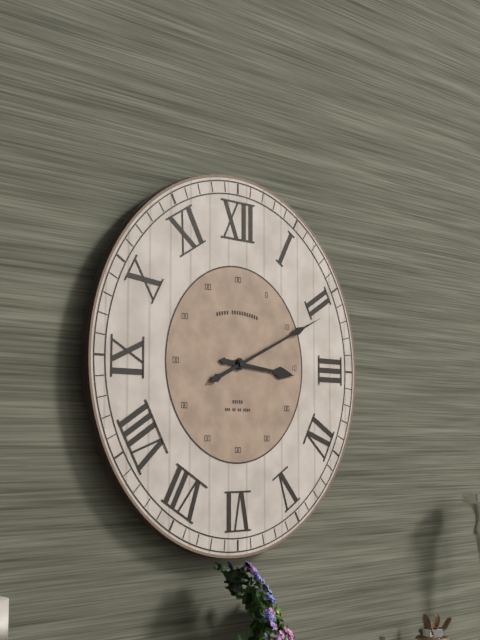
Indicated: 3 h 11 min
